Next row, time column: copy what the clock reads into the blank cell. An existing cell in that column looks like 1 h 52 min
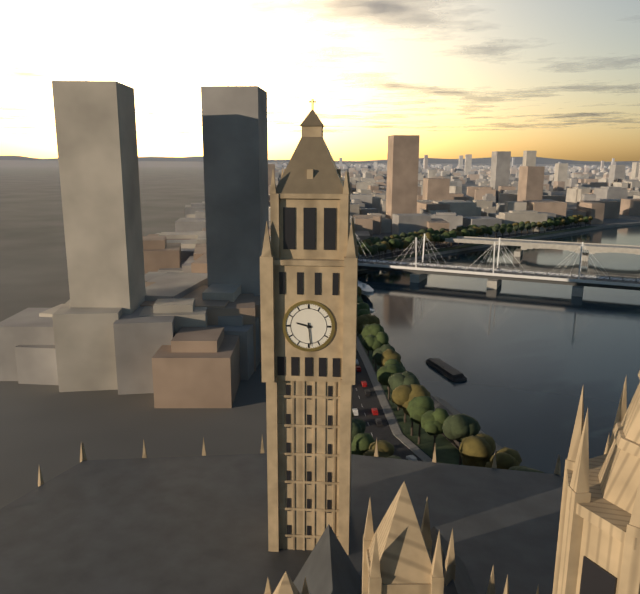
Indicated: 9 h 29 min
